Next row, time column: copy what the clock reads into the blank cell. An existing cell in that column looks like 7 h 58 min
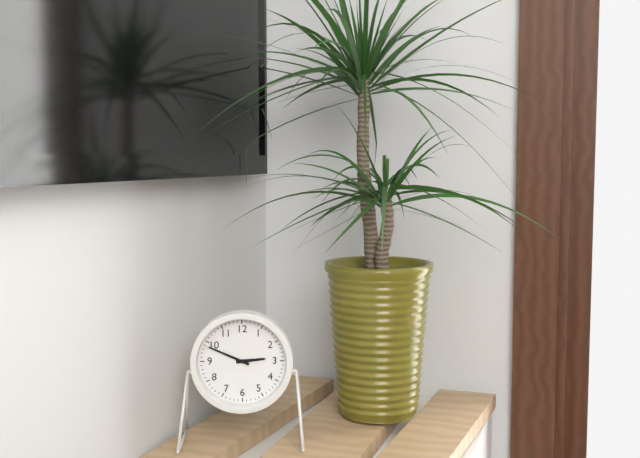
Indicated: 2 h 49 min
